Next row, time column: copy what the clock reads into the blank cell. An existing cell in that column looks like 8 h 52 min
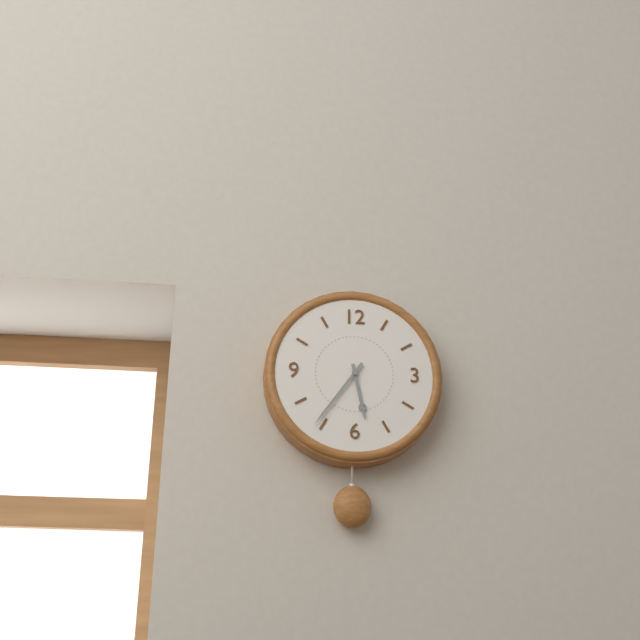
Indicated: 5 h 36 min
